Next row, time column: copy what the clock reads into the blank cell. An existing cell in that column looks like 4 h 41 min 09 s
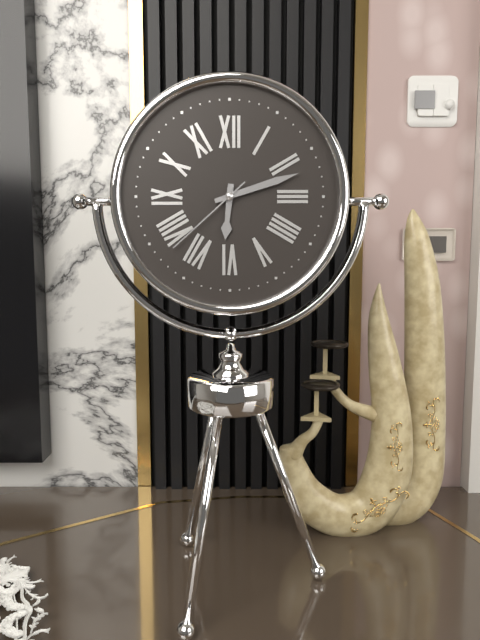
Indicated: 6 h 12 min 38 s
